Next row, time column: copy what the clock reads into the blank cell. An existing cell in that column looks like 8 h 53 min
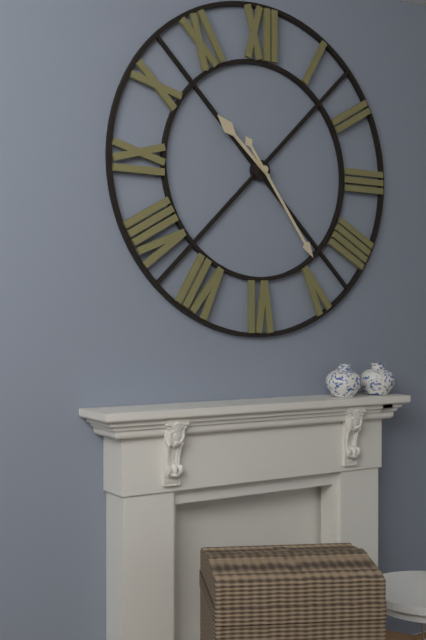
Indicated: 10 h 24 min
